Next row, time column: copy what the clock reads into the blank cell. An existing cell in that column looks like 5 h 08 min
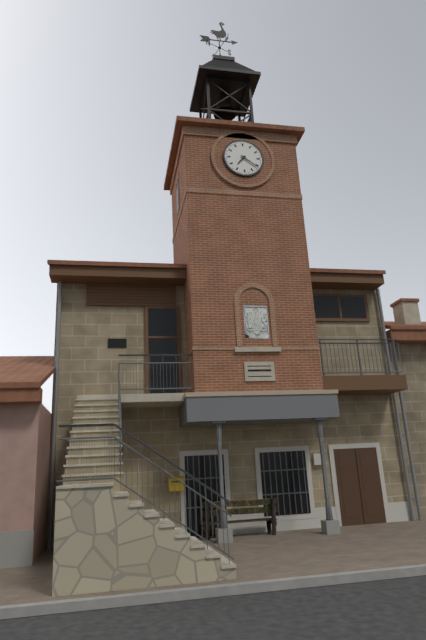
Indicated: 7 h 21 min
